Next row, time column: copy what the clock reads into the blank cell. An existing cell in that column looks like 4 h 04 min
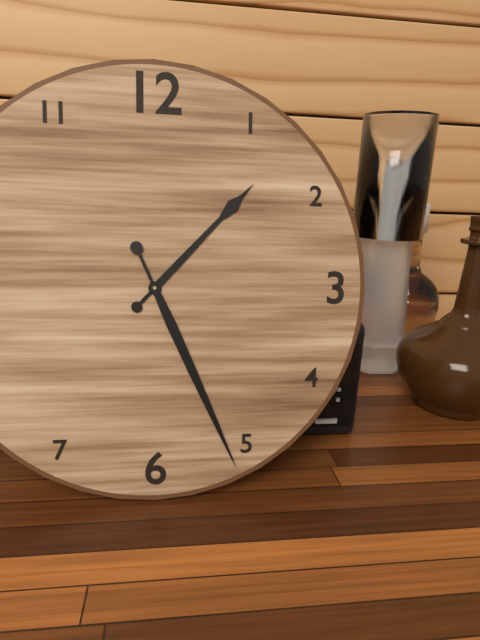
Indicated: 1 h 26 min
